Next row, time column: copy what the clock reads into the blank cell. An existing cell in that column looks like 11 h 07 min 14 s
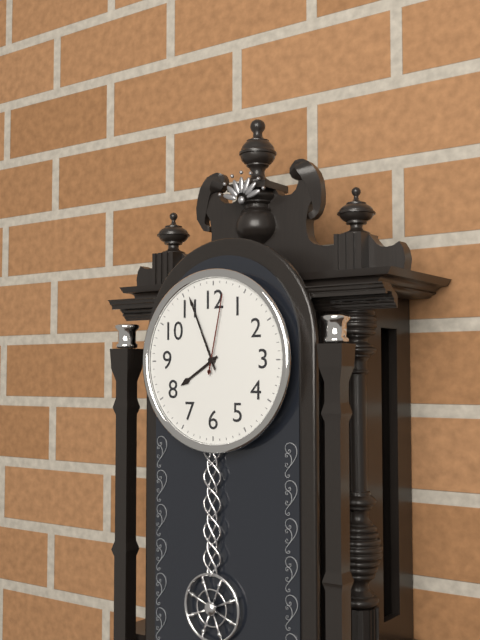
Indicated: 7 h 56 min 02 s
